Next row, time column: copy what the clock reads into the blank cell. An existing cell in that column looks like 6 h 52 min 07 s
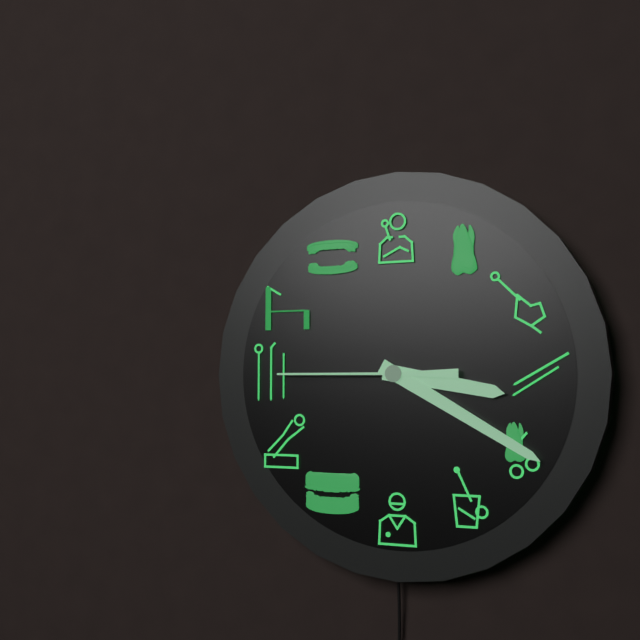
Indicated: 3 h 20 min 45 s
